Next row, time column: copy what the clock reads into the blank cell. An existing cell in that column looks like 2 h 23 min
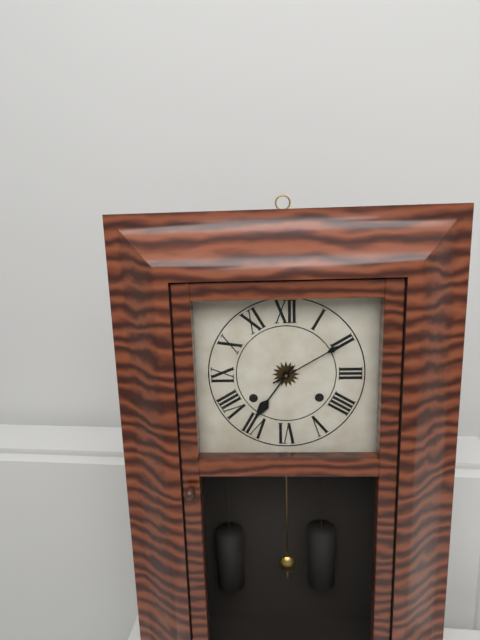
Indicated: 7 h 10 min
